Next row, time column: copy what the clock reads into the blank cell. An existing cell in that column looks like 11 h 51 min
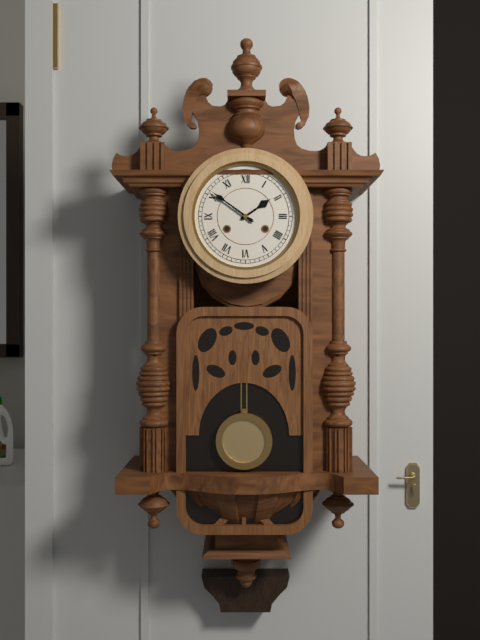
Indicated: 1 h 51 min
